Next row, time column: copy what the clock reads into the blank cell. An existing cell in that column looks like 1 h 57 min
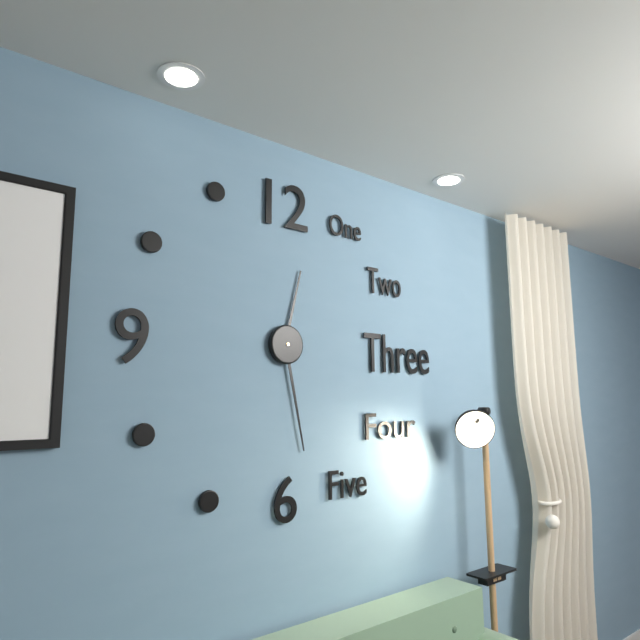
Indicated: 12 h 28 min
